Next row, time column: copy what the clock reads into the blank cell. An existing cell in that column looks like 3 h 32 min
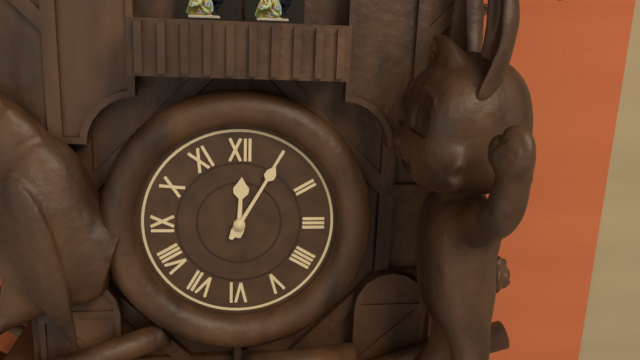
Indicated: 12 h 05 min
